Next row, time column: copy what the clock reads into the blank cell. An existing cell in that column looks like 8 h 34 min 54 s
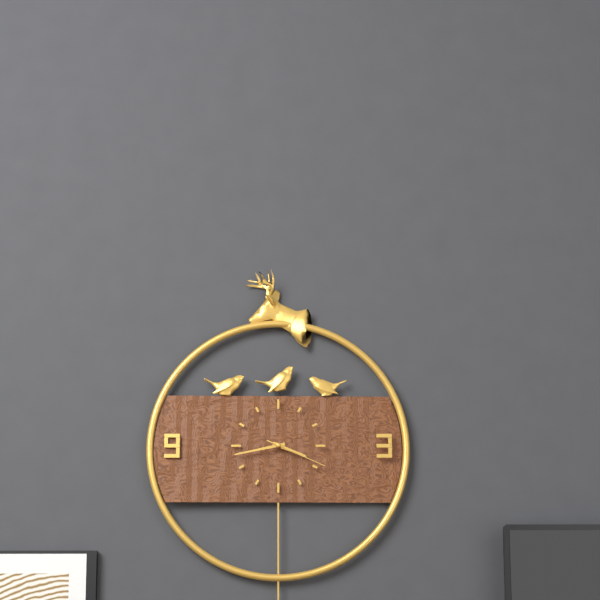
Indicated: 3 h 43 min 19 s
